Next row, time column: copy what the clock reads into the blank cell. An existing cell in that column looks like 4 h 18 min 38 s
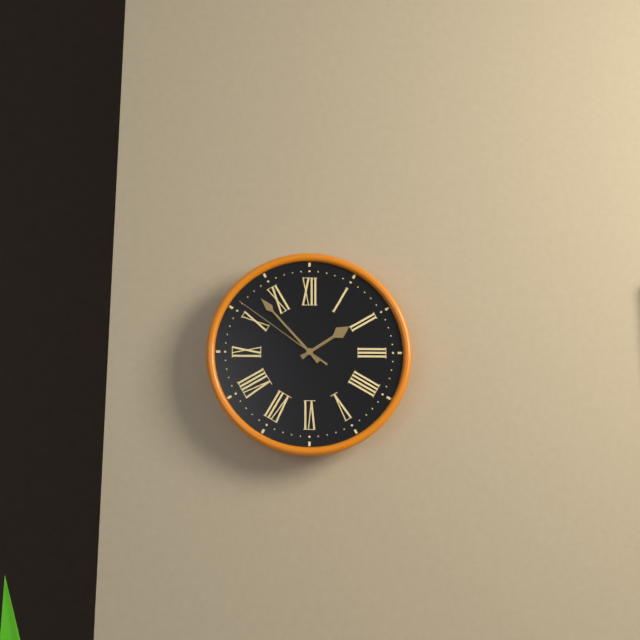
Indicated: 1 h 53 min 51 s
